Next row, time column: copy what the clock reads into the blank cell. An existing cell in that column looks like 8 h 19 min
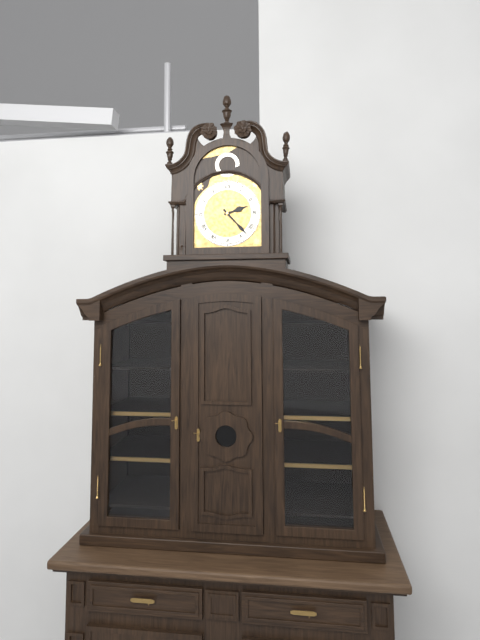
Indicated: 2 h 23 min
